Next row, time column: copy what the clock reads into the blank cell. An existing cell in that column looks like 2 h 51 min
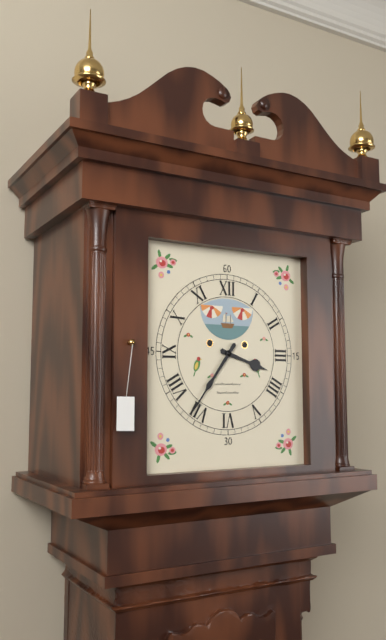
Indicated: 3 h 36 min
